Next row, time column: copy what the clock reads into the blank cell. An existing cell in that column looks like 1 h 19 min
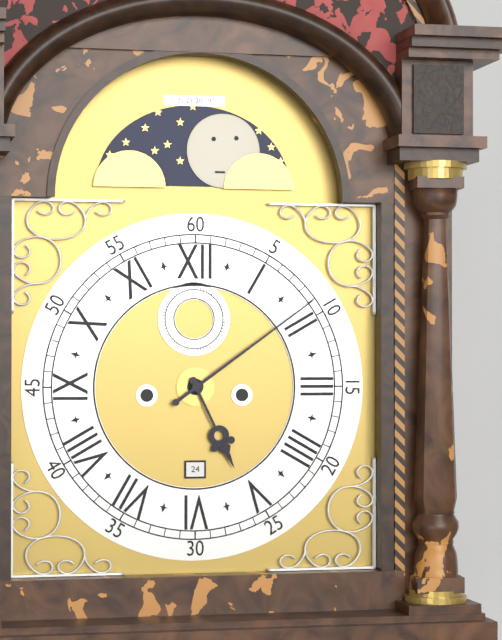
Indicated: 5 h 09 min
